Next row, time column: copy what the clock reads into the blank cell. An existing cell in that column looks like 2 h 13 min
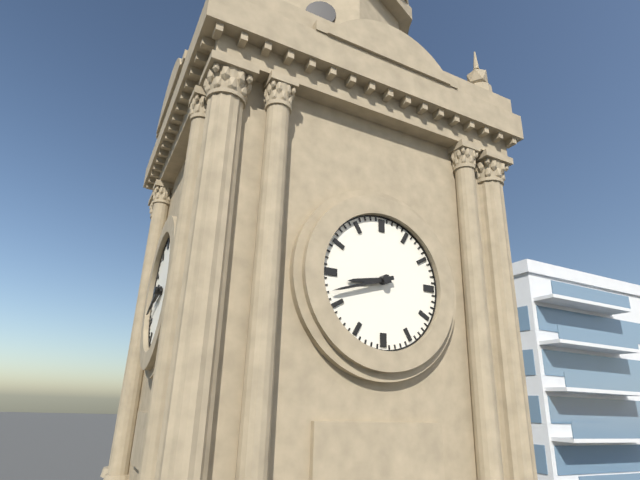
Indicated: 8 h 42 min
